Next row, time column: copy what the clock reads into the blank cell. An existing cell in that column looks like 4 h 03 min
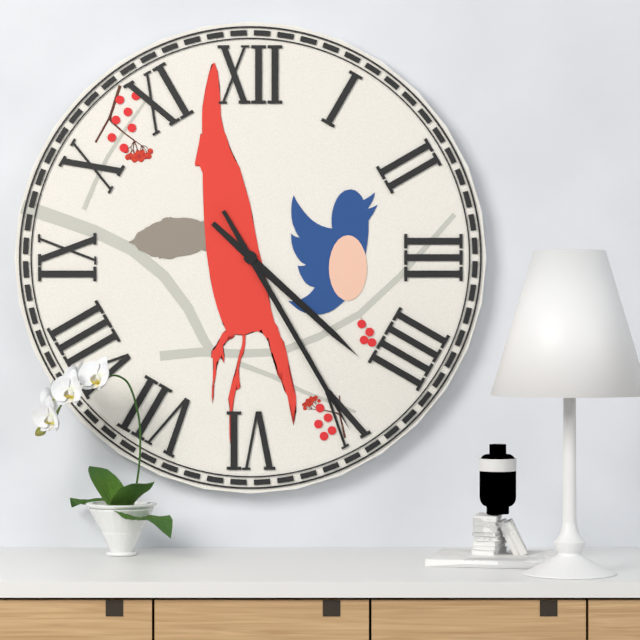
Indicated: 4 h 25 min
